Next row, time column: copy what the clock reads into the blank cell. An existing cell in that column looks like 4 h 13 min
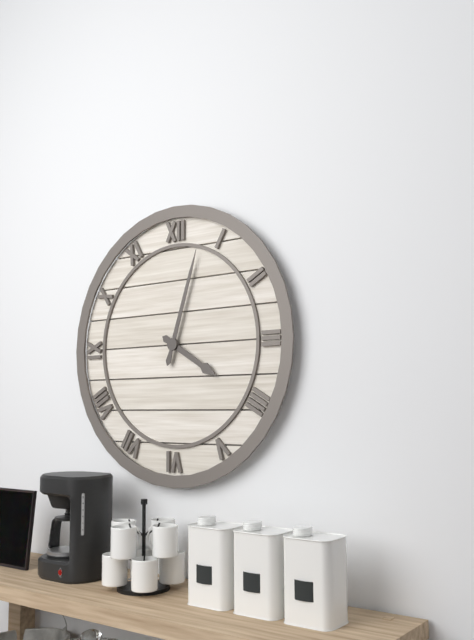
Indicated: 4 h 03 min
